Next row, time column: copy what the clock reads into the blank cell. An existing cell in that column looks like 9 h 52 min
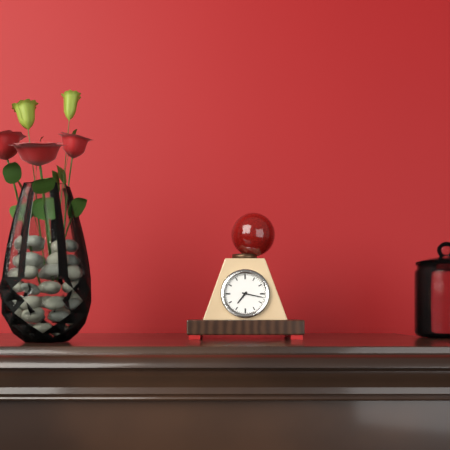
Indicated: 7 h 17 min
